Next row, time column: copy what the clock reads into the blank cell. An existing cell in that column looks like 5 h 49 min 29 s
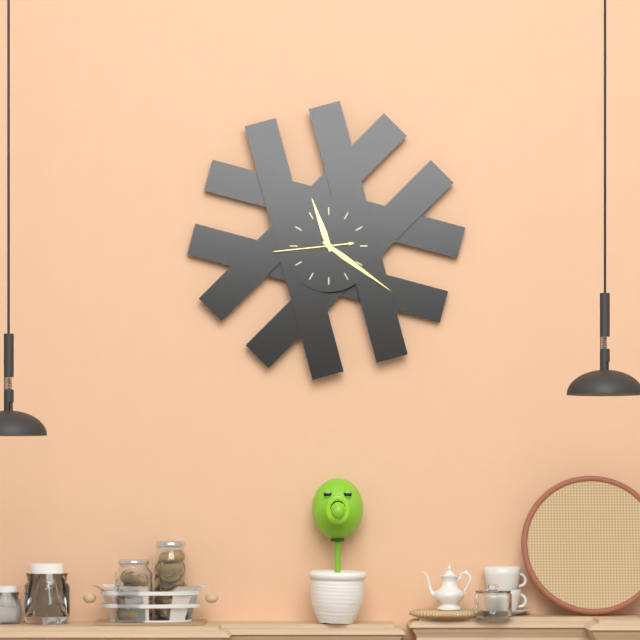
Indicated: 11 h 21 min 44 s
